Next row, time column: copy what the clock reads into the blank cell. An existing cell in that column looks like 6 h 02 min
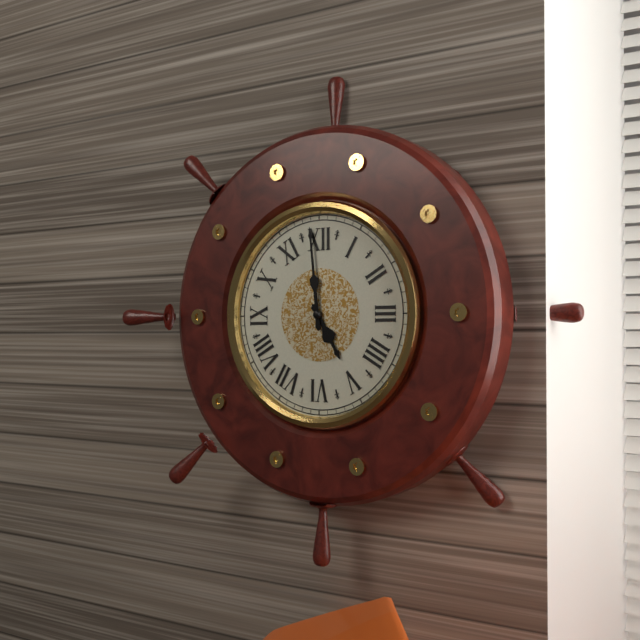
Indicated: 4 h 59 min
